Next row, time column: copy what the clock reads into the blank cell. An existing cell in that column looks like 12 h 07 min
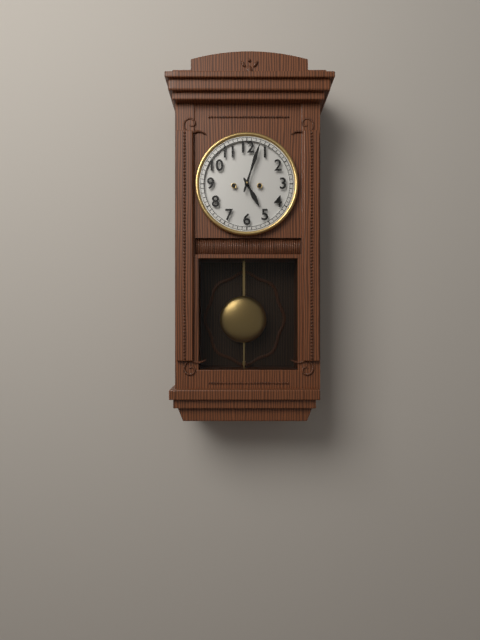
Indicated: 5 h 03 min
